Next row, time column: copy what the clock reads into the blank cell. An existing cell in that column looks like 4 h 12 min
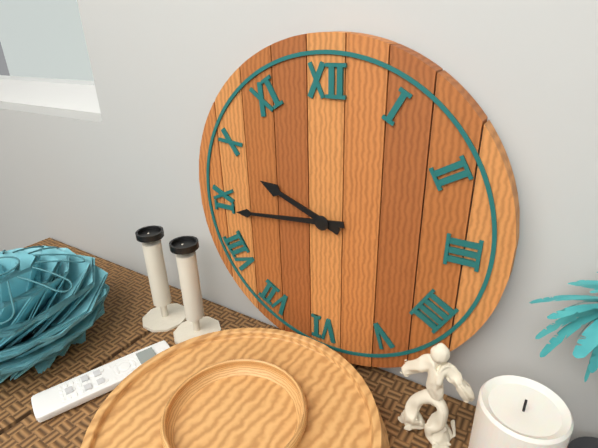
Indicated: 9 h 44 min
